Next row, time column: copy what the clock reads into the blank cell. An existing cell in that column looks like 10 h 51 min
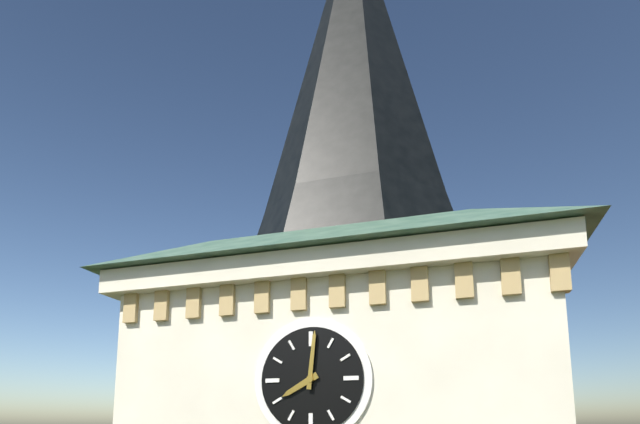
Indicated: 8 h 01 min
